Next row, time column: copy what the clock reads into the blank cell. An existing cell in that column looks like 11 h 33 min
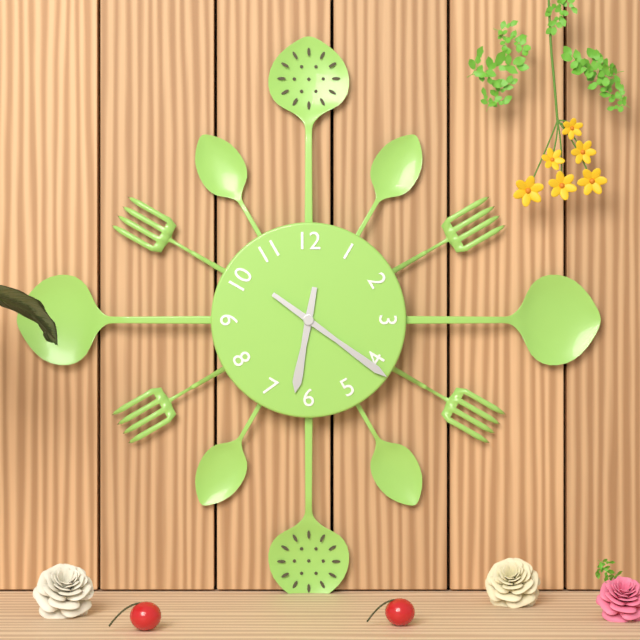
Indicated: 6 h 21 min
